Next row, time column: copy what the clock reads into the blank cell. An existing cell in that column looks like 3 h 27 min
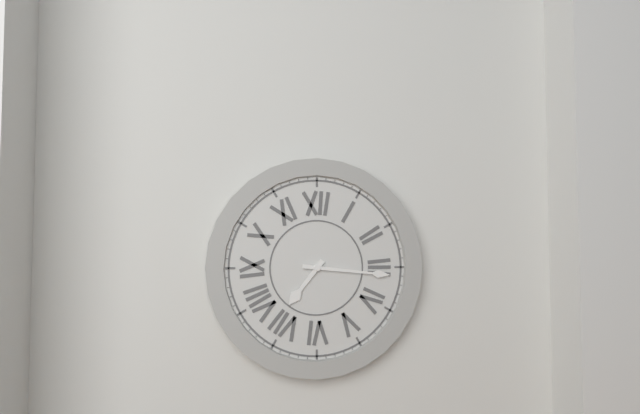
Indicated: 7 h 16 min
